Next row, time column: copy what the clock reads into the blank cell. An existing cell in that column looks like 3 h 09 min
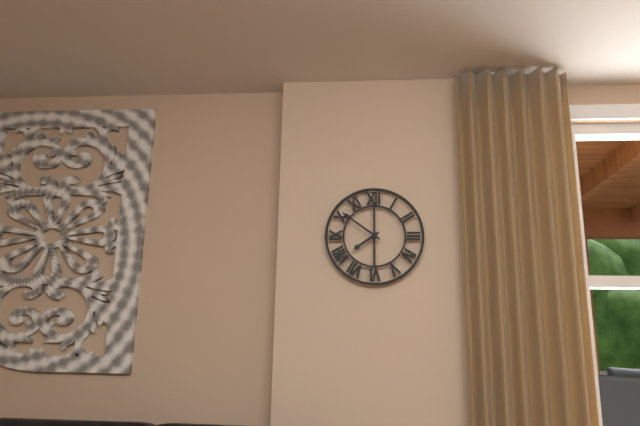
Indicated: 7 h 51 min
